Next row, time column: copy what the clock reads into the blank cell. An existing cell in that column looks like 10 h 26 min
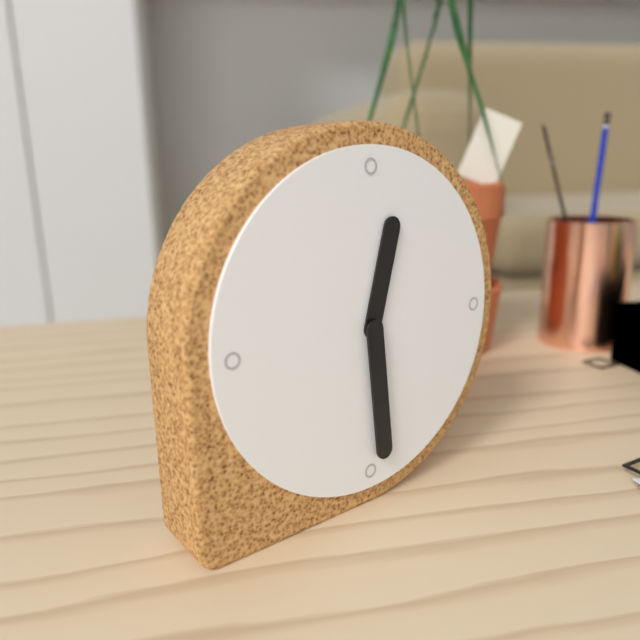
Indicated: 12 h 29 min
